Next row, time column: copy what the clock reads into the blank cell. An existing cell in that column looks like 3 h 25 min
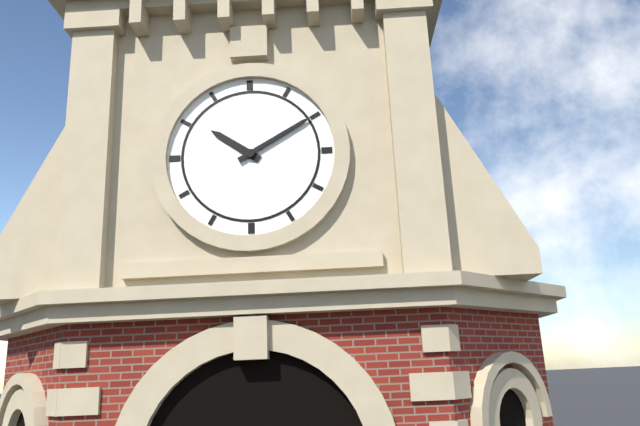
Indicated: 10 h 10 min
